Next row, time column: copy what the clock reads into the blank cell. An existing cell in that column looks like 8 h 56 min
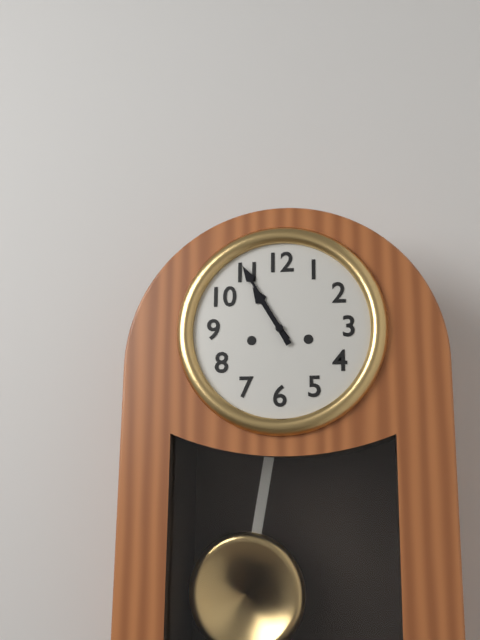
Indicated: 10 h 55 min
